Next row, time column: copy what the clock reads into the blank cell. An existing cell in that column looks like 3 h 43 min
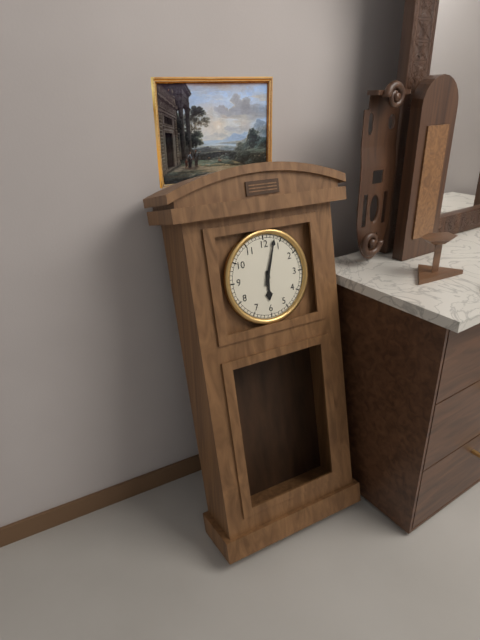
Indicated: 6 h 03 min
